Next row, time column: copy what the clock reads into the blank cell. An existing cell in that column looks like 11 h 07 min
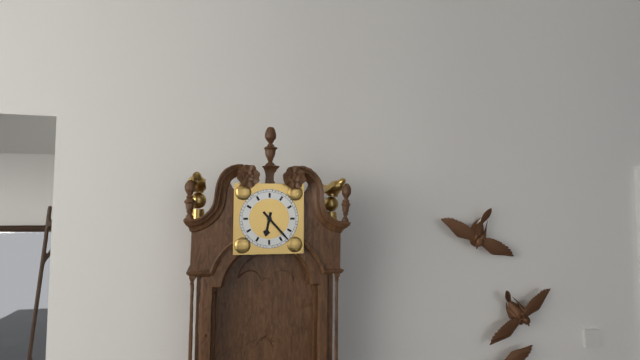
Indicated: 6 h 23 min
